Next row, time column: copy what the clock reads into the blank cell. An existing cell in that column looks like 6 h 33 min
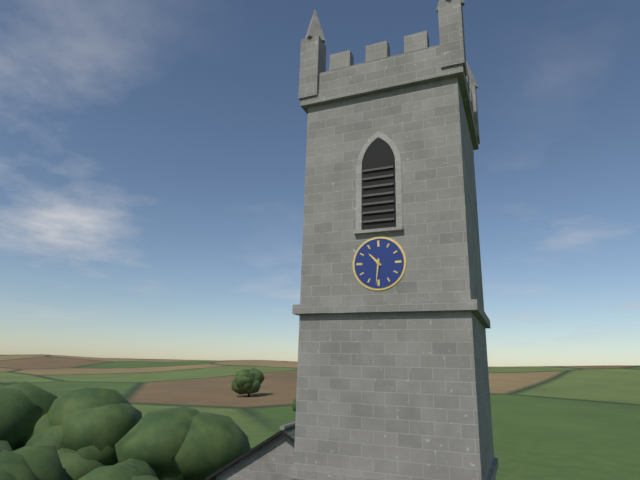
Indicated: 10 h 31 min
